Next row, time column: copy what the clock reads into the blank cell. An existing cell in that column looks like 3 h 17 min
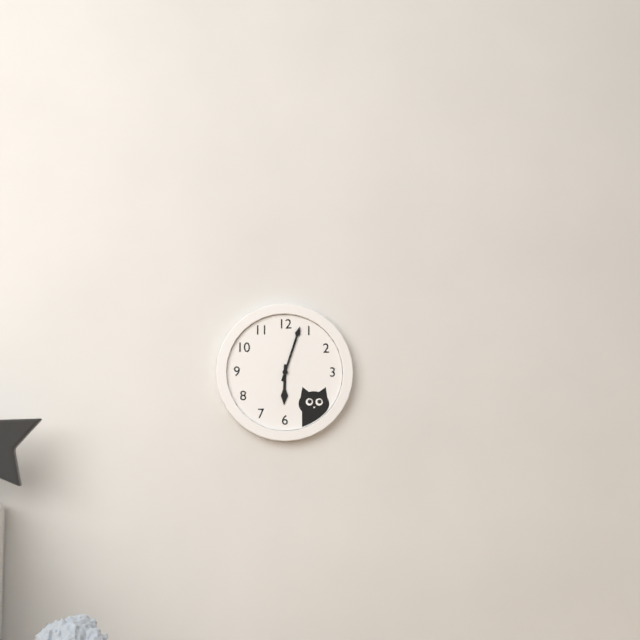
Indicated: 6 h 03 min
